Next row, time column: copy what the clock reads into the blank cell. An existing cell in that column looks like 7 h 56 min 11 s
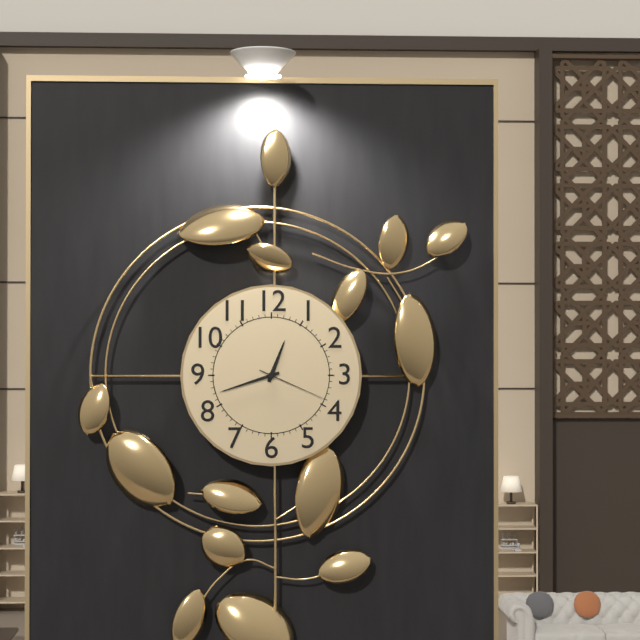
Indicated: 12 h 42 min 19 s
